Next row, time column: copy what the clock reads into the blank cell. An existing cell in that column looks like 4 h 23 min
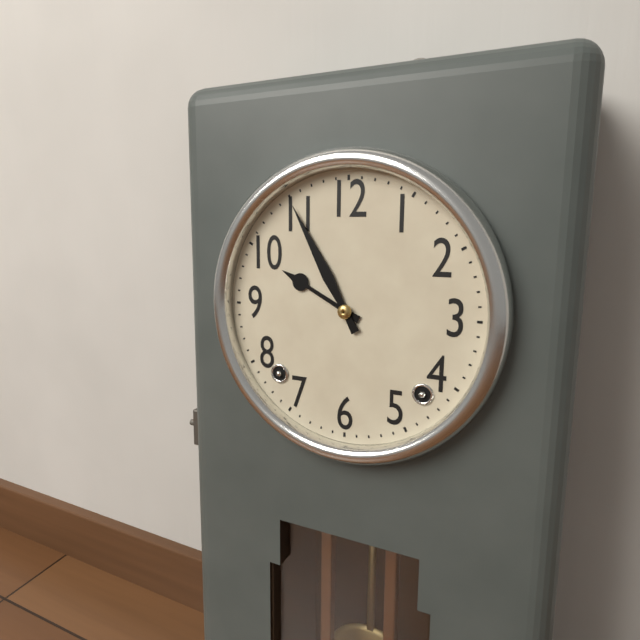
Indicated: 9 h 55 min
